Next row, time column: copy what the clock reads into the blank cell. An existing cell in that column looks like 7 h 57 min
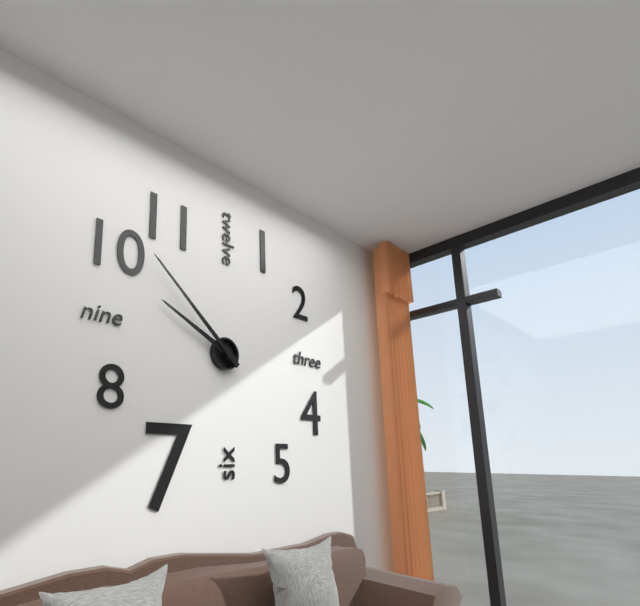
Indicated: 9 h 52 min
